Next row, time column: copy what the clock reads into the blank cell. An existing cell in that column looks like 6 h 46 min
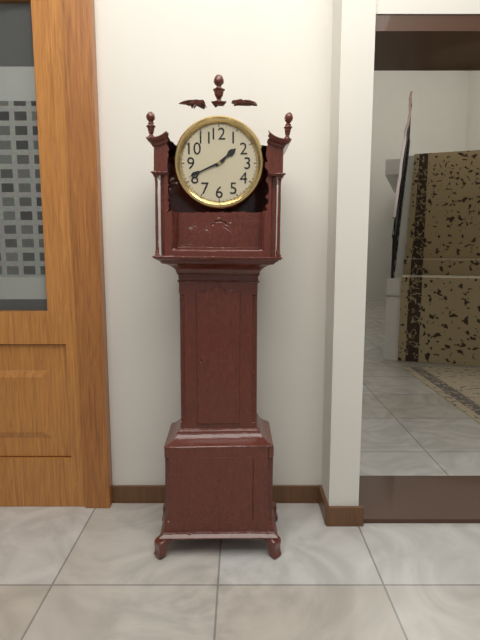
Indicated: 1 h 41 min
